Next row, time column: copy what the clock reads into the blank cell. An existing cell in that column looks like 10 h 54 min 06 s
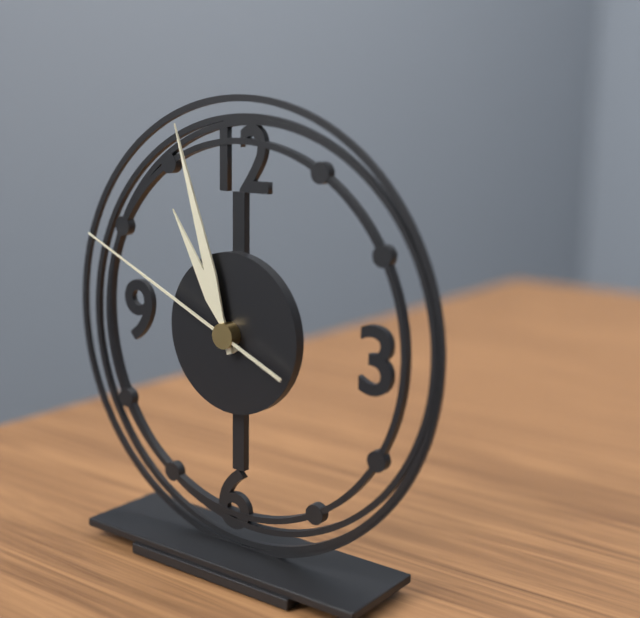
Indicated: 10 h 57 min 49 s
